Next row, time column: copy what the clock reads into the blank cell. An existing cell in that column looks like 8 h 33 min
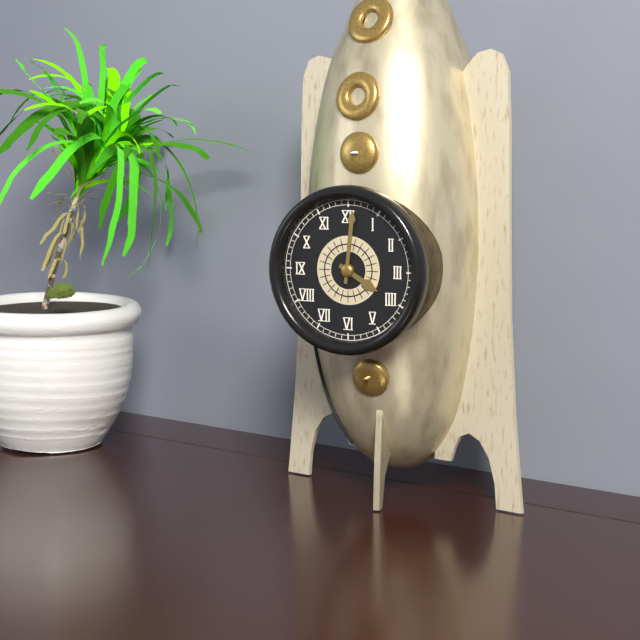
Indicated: 4 h 01 min
